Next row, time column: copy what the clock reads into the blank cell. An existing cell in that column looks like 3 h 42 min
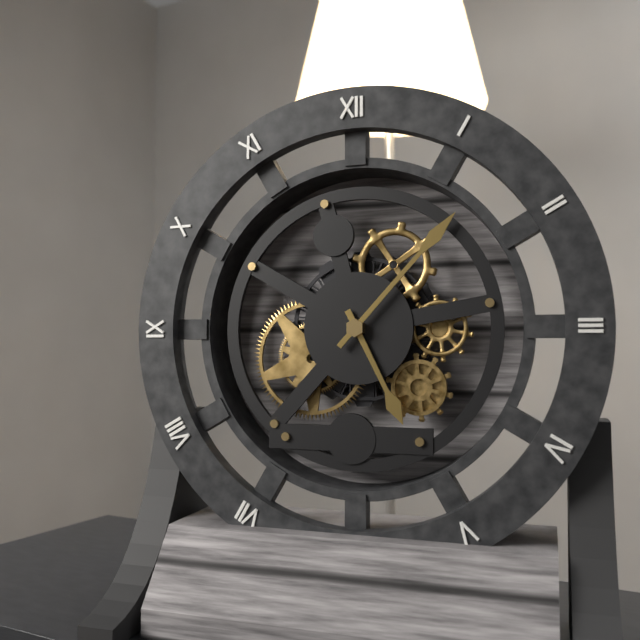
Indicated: 5 h 07 min
